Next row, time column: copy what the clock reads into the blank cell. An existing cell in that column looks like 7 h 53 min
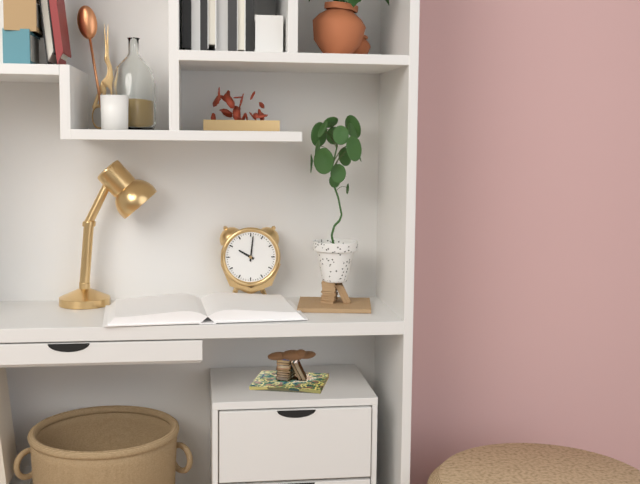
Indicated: 10 h 01 min
